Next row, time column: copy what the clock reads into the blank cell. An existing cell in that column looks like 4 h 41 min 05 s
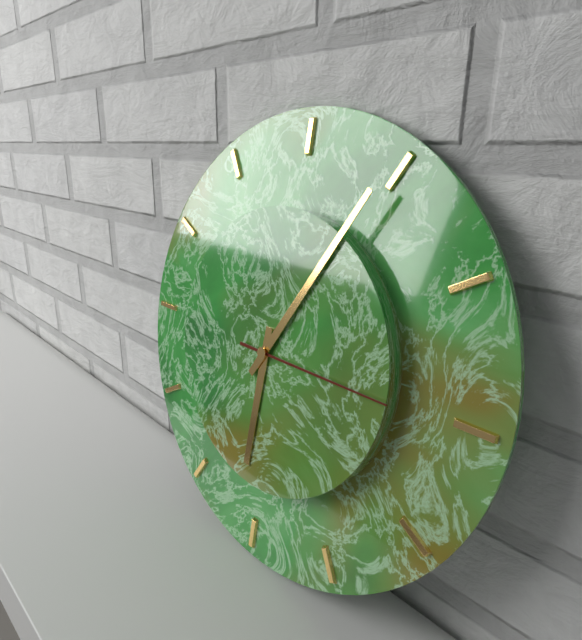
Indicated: 6 h 05 min 15 s
